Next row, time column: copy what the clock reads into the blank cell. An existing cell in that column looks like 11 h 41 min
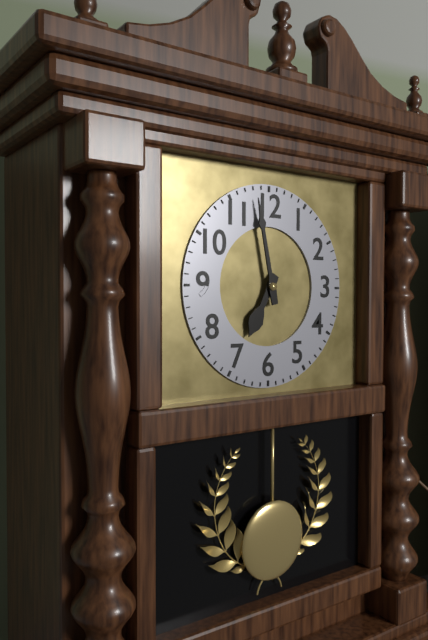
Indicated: 6 h 58 min
